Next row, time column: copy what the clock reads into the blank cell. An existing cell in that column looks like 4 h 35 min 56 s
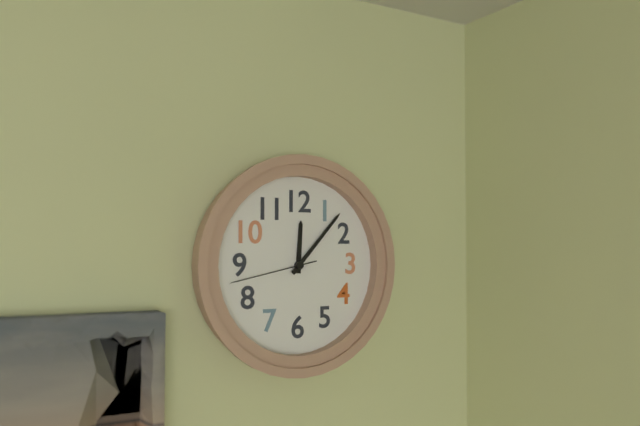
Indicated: 12 h 07 min 43 s
